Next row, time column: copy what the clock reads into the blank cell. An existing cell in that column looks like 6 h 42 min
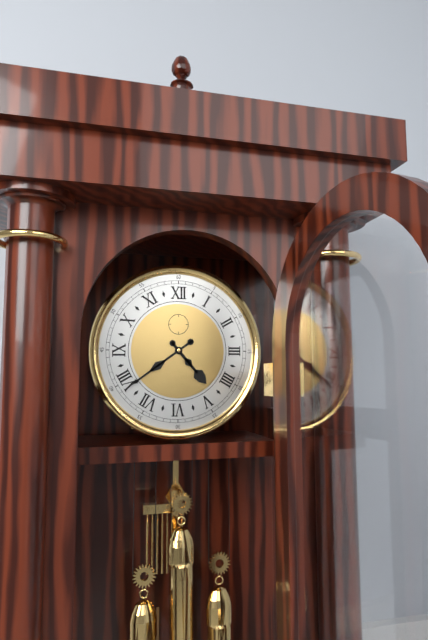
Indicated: 4 h 39 min
